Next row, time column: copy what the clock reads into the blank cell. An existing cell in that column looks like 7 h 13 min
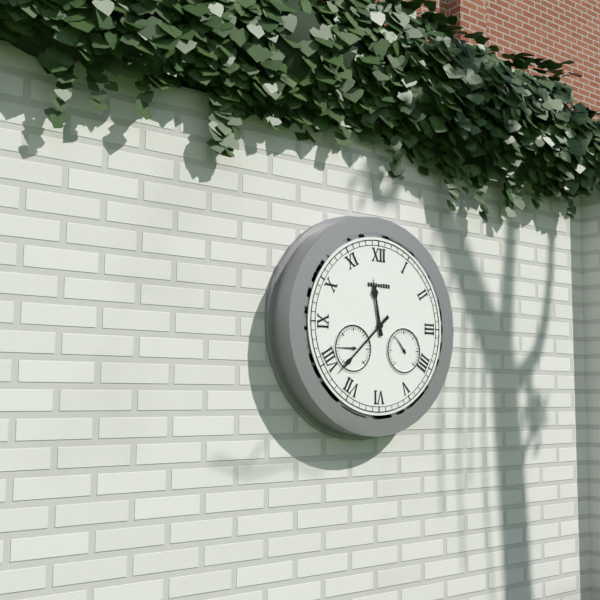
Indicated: 11 h 38 min
